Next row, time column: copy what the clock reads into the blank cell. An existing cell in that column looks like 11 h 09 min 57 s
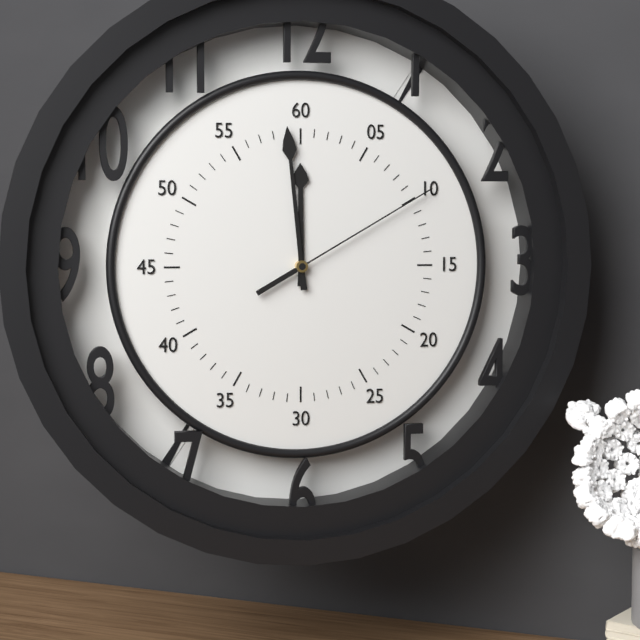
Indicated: 11 h 59 min 10 s
